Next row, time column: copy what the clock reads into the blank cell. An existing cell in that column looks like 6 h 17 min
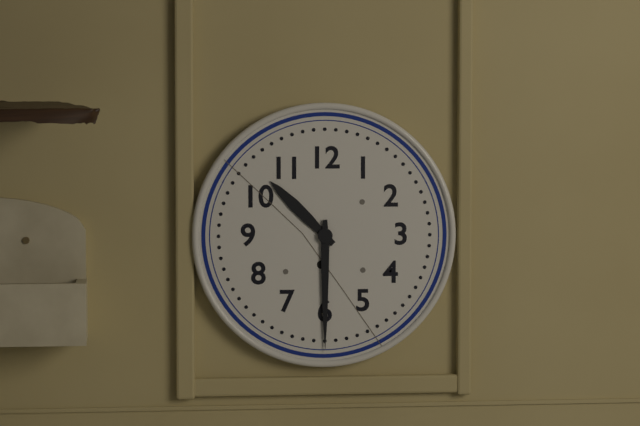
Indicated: 10 h 30 min
